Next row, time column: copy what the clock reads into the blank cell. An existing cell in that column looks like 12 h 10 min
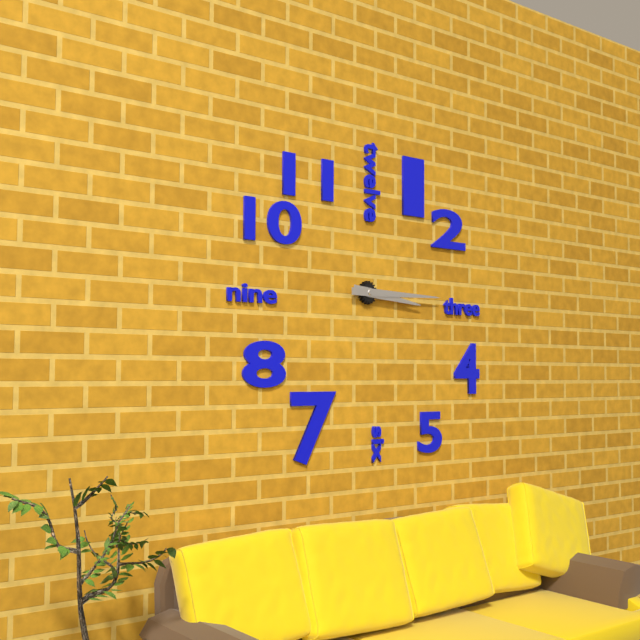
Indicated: 3 h 15 min
